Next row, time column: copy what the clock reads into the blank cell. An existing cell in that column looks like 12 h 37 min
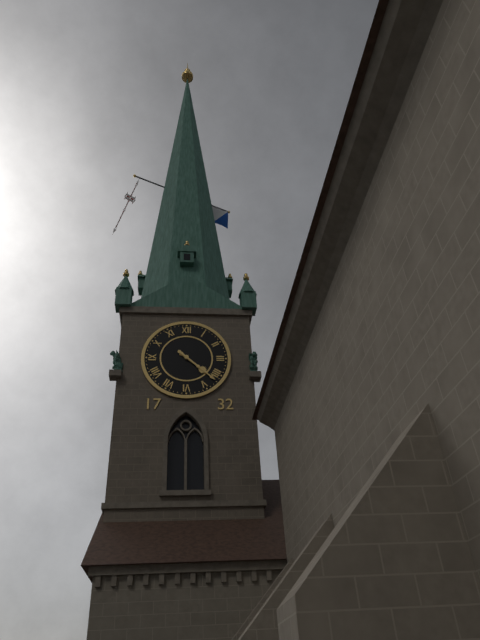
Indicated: 4 h 22 min
